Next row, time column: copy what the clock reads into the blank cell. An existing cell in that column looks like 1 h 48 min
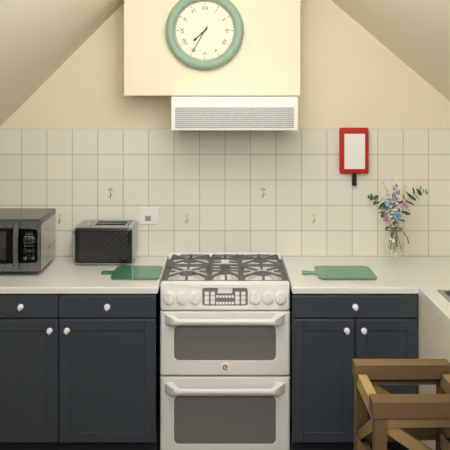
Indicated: 7 h 35 min
